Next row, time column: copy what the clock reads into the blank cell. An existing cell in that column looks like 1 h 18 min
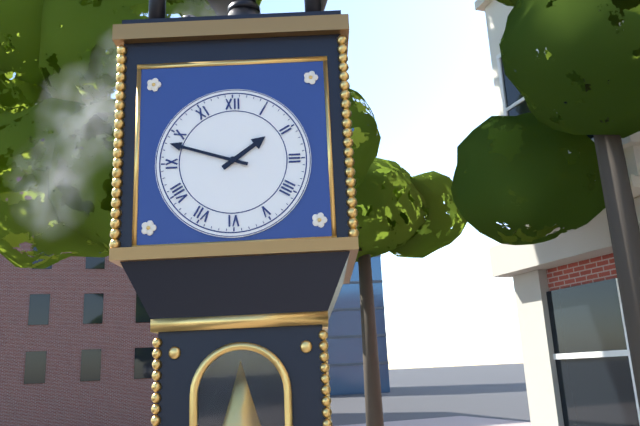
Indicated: 1 h 48 min
